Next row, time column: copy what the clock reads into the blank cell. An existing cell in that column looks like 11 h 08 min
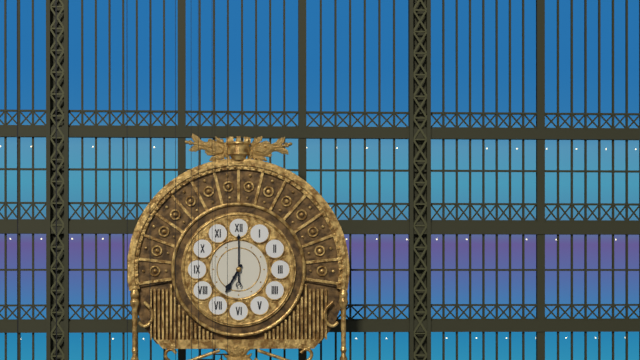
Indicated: 7 h 00 min
